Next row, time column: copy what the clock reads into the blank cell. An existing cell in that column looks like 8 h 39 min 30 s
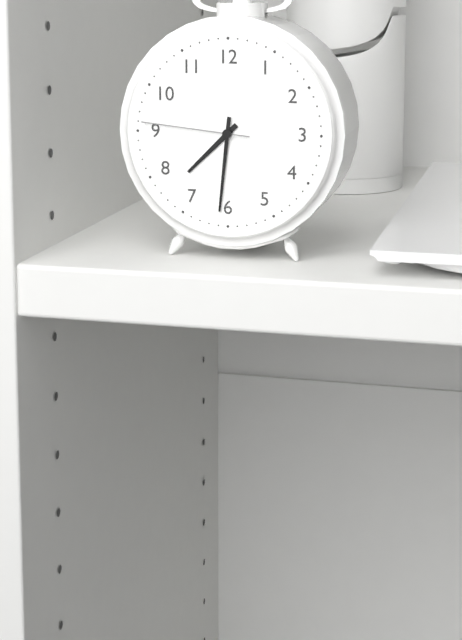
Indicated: 7 h 31 min 46 s
